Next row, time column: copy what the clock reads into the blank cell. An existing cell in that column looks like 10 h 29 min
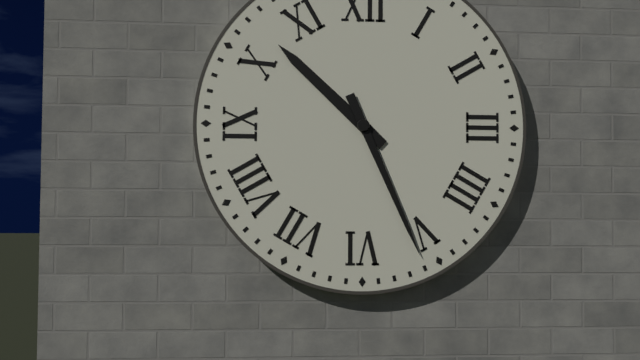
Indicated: 10 h 26 min
